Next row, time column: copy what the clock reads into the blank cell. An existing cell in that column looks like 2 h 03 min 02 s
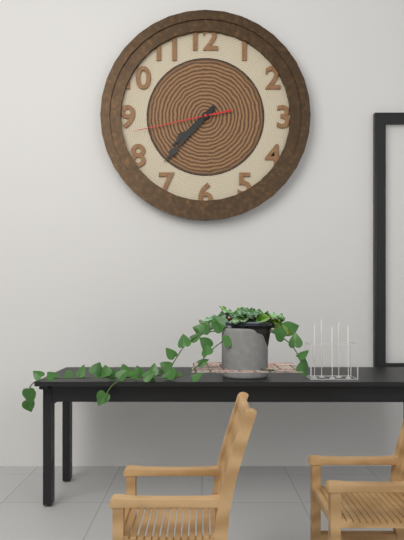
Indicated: 7 h 37 min 43 s
